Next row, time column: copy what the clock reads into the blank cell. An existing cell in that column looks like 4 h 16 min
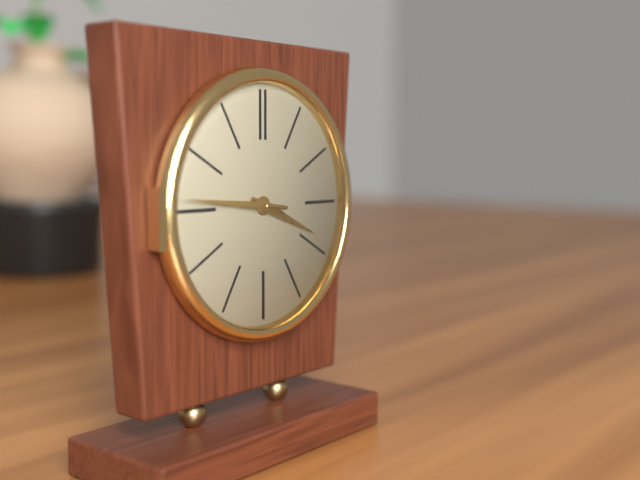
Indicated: 3 h 46 min
